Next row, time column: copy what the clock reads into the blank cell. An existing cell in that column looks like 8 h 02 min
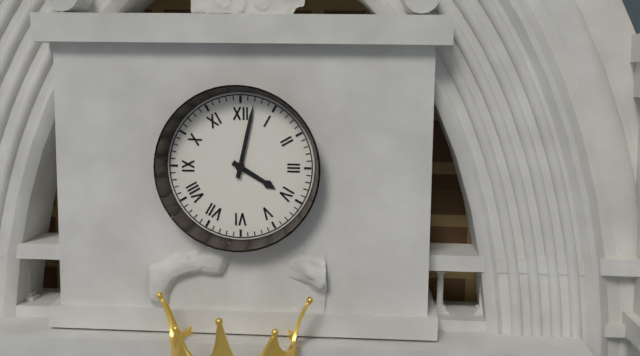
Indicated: 4 h 02 min
